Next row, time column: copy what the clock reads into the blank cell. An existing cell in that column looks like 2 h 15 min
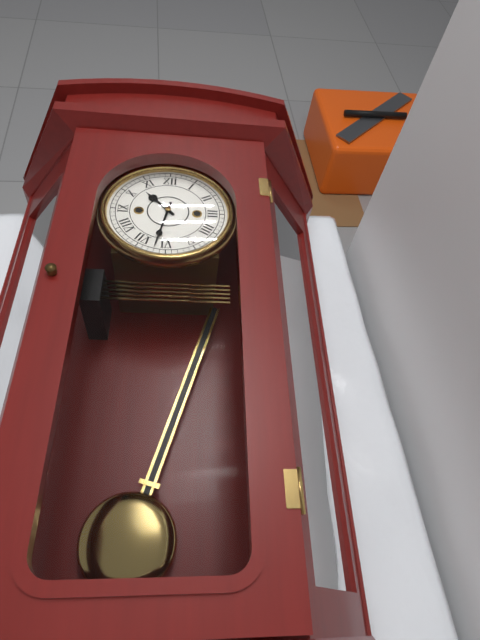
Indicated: 10 h 32 min
